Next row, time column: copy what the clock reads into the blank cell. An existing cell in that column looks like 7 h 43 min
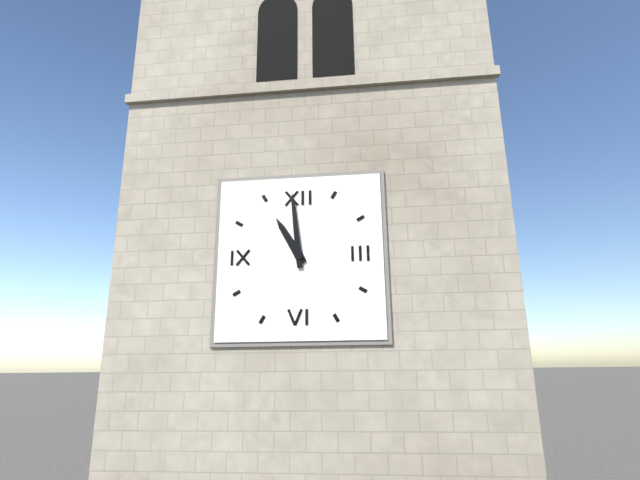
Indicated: 10 h 59 min
